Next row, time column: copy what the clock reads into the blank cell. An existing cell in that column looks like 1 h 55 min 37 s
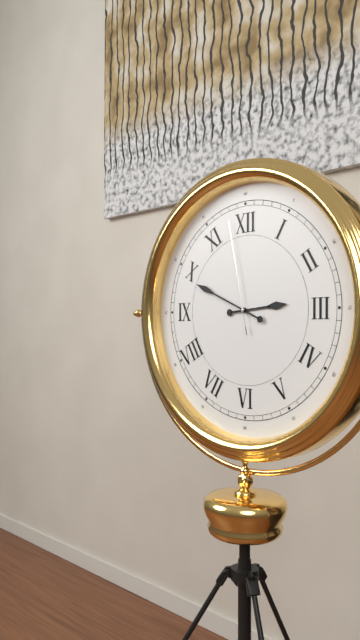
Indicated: 2 h 49 min 58 s
